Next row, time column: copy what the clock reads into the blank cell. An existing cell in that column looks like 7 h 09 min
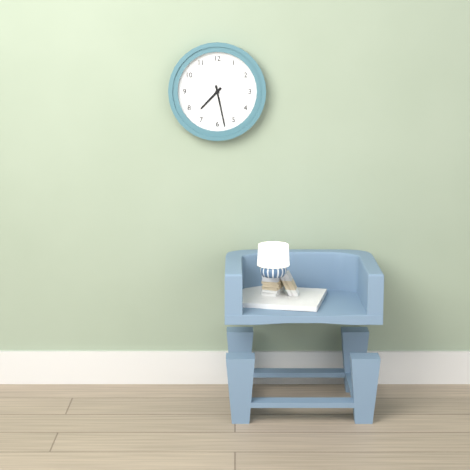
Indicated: 7 h 28 min
